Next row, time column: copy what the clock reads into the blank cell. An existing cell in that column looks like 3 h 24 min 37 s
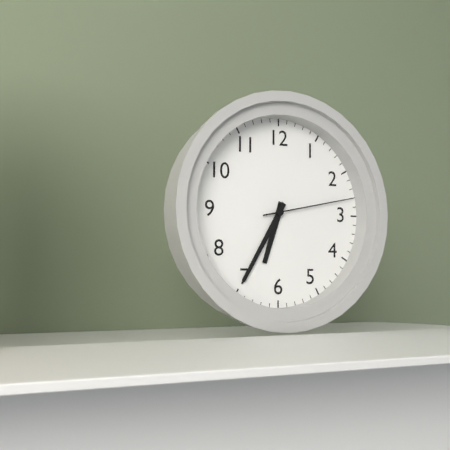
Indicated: 6 h 35 min 13 s
